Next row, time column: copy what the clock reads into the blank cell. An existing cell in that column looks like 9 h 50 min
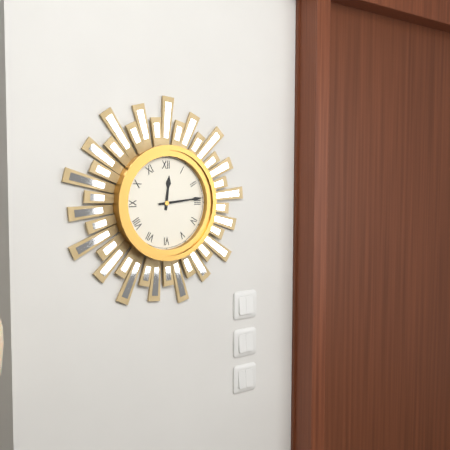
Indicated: 12 h 14 min
